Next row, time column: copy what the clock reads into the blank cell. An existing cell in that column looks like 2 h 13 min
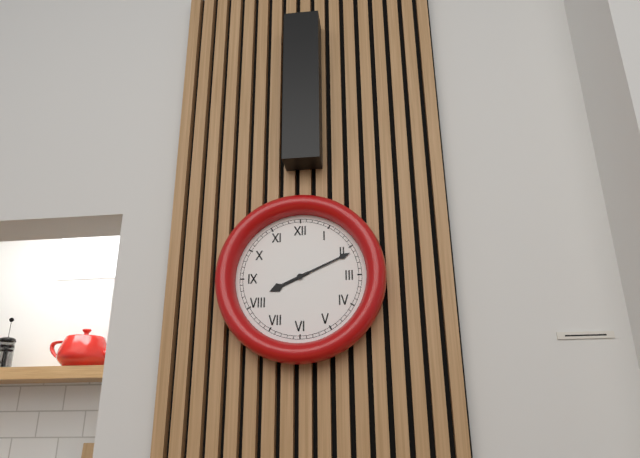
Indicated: 8 h 11 min
